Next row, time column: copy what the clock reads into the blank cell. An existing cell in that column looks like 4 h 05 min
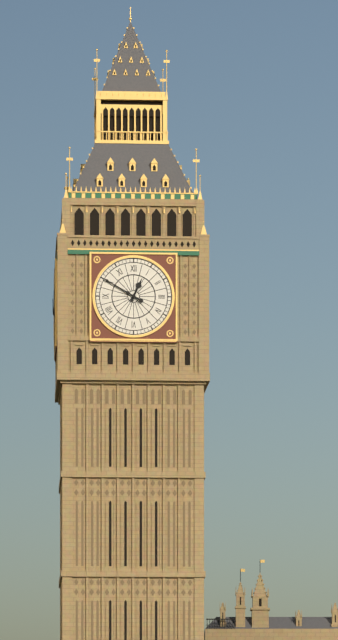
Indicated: 12 h 50 min
